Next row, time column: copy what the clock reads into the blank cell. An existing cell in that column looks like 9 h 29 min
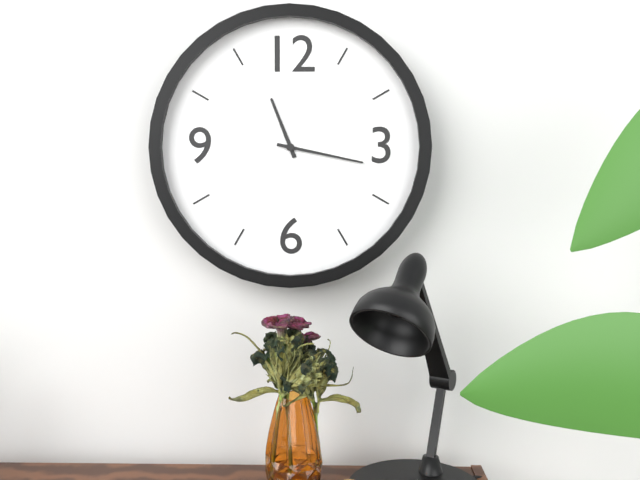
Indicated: 11 h 17 min
